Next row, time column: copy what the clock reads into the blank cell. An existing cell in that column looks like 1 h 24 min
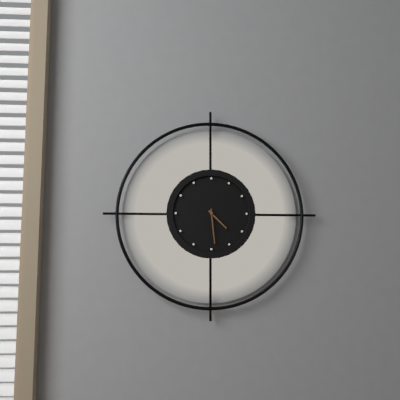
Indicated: 4 h 29 min
